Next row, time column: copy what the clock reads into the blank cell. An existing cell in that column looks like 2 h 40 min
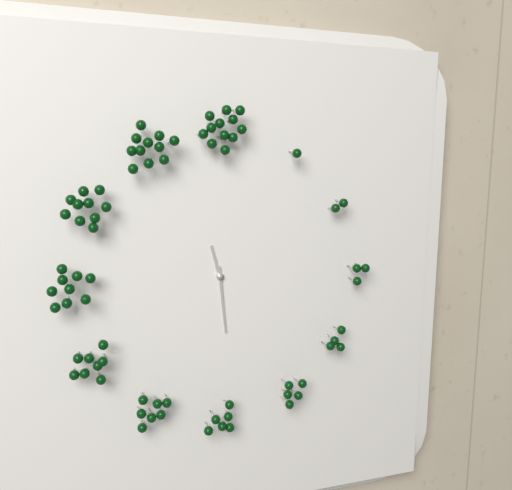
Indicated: 11 h 29 min
